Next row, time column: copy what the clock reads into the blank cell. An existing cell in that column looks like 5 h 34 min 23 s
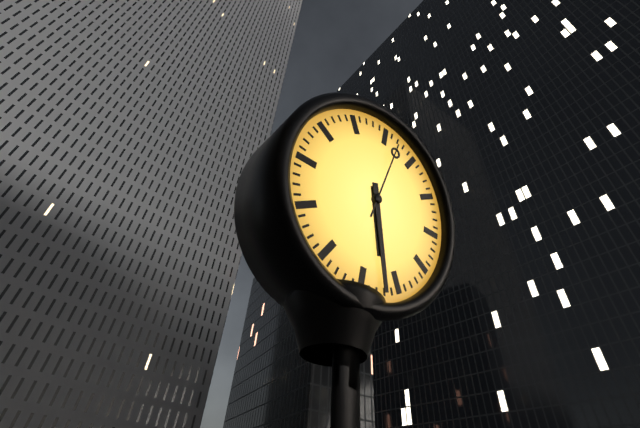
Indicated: 5 h 27 min 02 s
